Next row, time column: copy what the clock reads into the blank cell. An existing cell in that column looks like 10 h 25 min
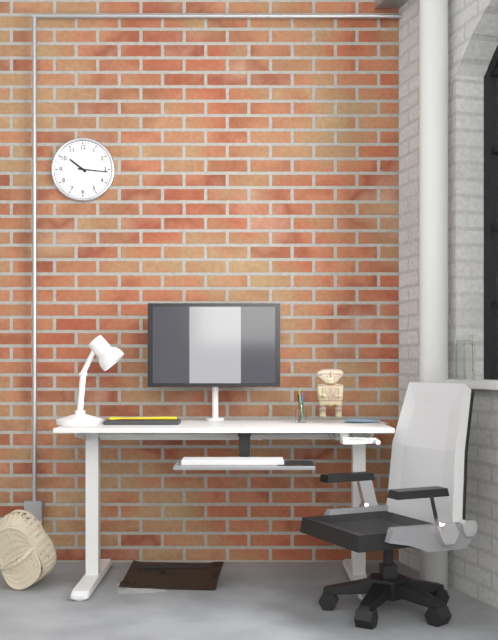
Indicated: 10 h 16 min
